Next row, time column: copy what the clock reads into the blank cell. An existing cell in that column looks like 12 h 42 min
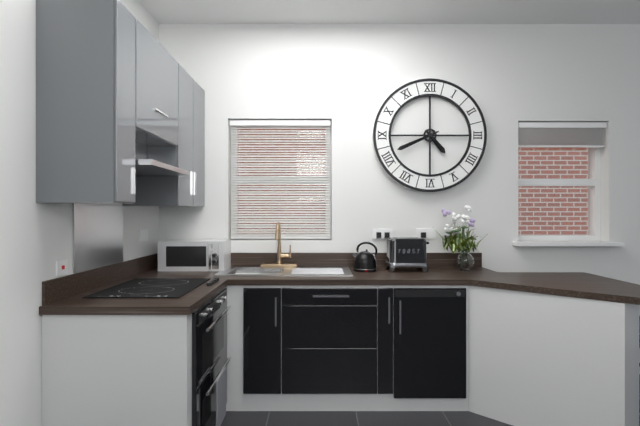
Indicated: 4 h 41 min
